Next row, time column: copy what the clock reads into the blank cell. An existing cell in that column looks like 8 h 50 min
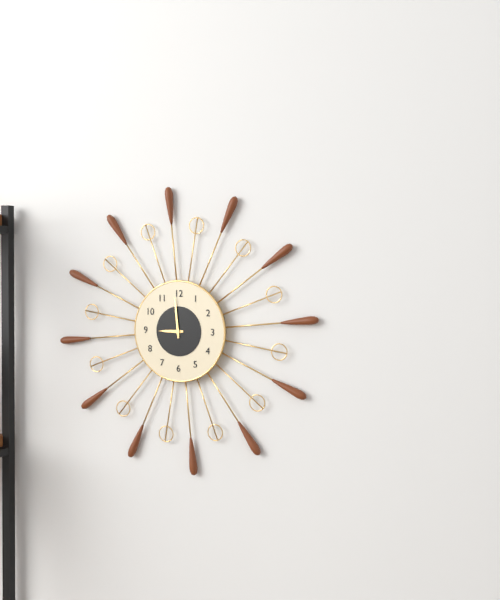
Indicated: 8 h 59 min
